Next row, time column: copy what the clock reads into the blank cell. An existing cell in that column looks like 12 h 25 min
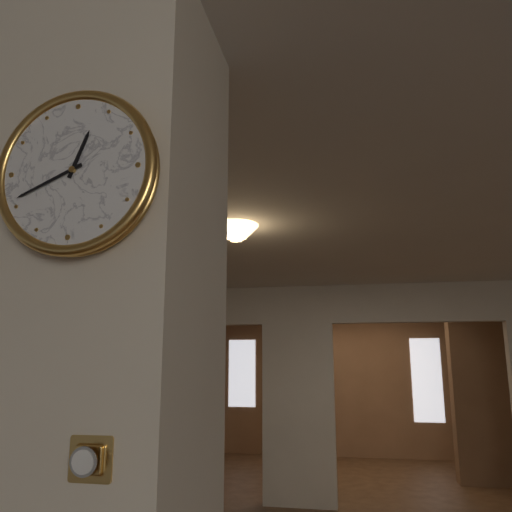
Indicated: 12 h 41 min
